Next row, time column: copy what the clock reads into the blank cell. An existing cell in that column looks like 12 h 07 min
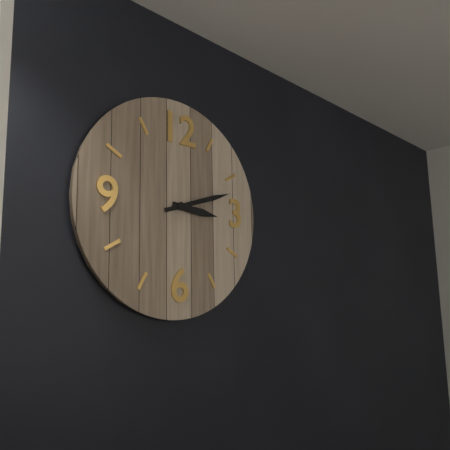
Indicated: 3 h 12 min
